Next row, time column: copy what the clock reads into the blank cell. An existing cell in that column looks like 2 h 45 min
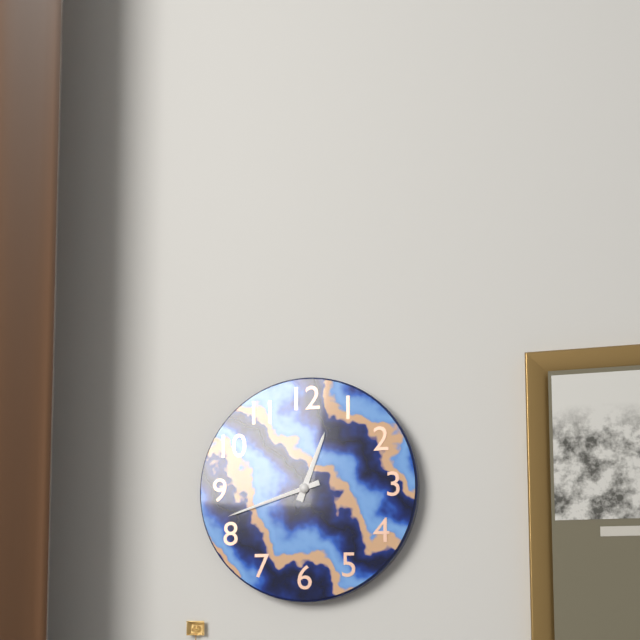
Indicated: 12 h 42 min
